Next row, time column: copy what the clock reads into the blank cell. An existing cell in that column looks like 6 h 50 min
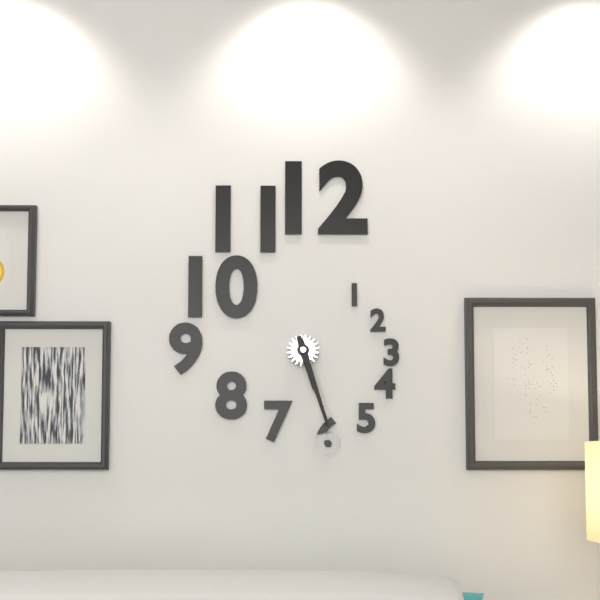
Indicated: 5 h 27 min
